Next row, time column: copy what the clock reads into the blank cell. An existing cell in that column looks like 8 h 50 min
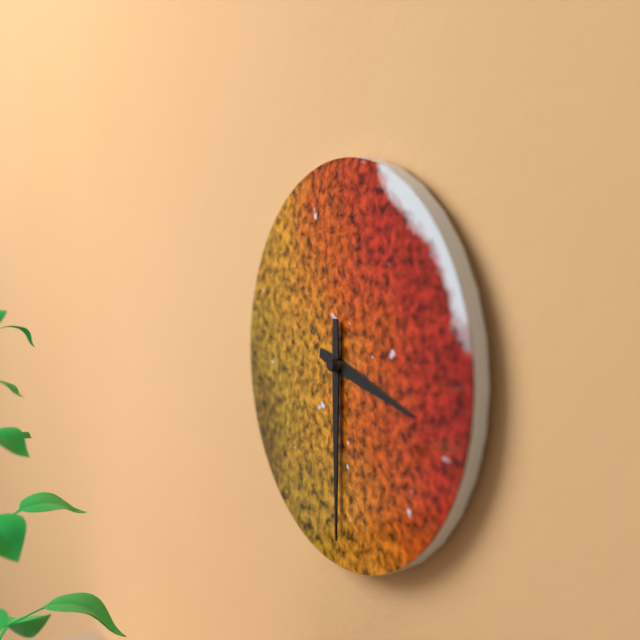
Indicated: 3 h 30 min
